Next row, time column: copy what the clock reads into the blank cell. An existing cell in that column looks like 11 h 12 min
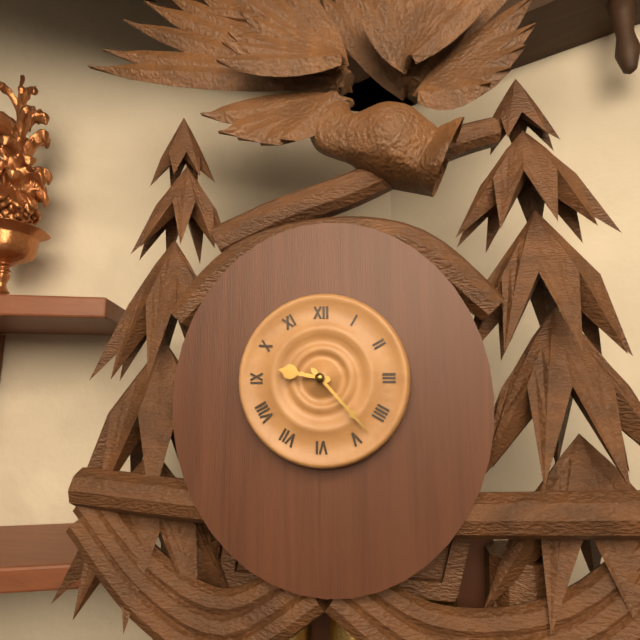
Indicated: 9 h 23 min
